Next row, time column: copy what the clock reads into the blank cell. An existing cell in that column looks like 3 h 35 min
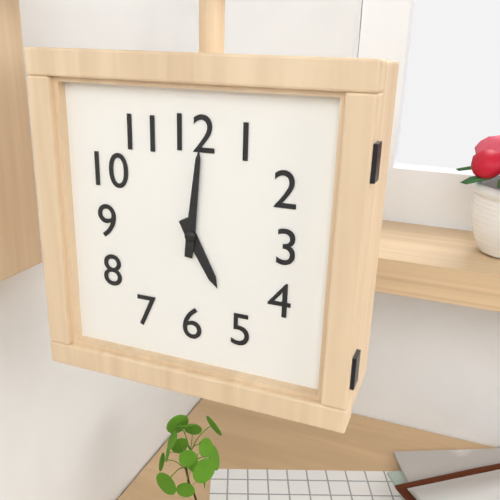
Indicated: 5 h 01 min
